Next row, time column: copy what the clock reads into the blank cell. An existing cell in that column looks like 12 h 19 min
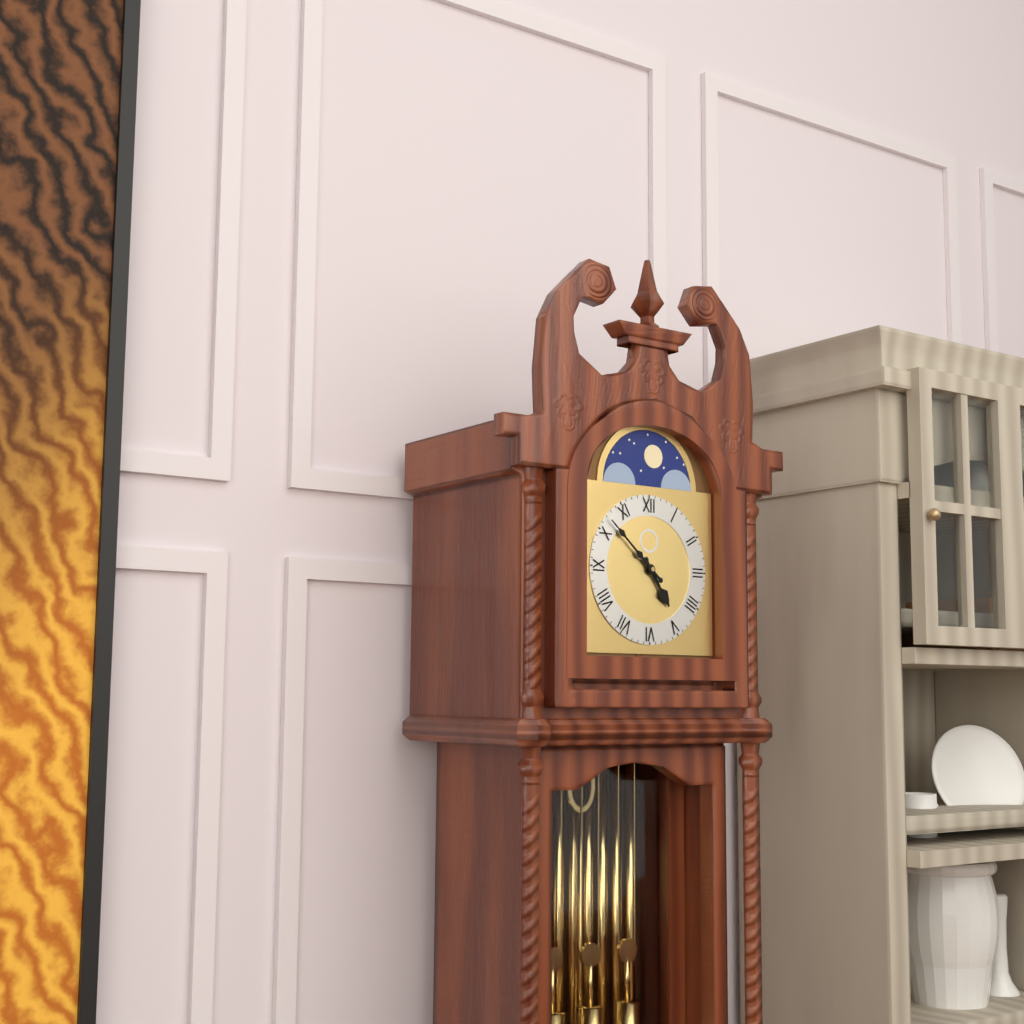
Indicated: 4 h 52 min
